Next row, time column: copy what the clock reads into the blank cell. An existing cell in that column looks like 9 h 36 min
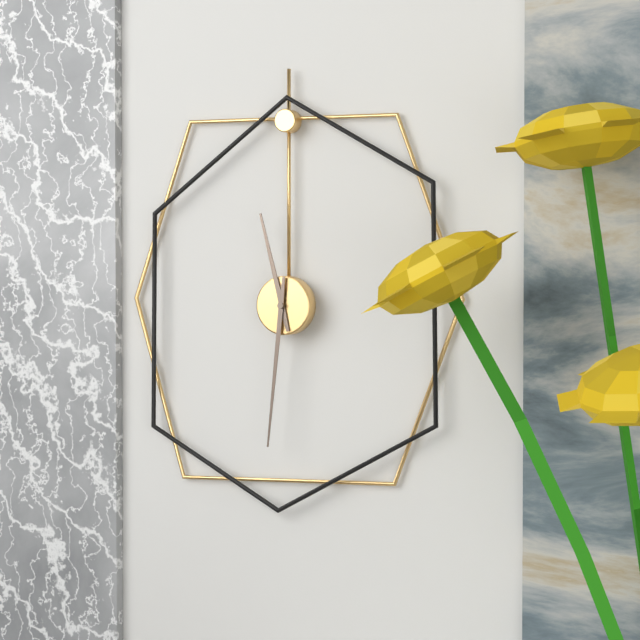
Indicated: 11 h 31 min
